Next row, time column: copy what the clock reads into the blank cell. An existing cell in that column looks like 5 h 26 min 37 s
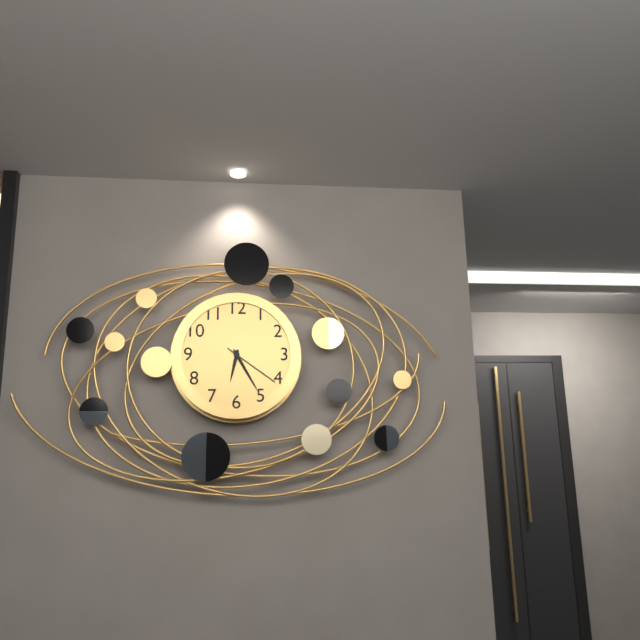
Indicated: 6 h 25 min 21 s
